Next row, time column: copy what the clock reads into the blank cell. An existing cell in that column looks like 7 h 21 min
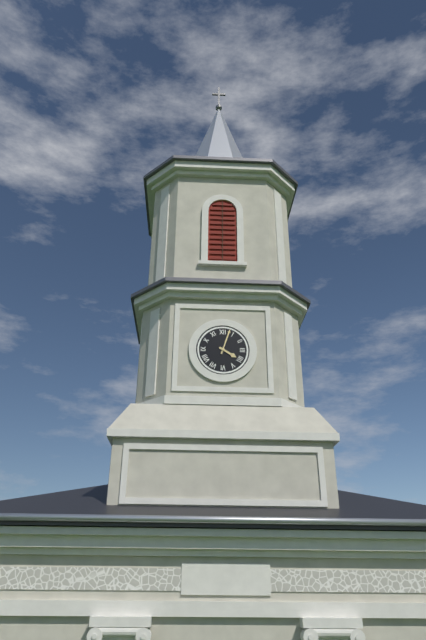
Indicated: 4 h 03 min
